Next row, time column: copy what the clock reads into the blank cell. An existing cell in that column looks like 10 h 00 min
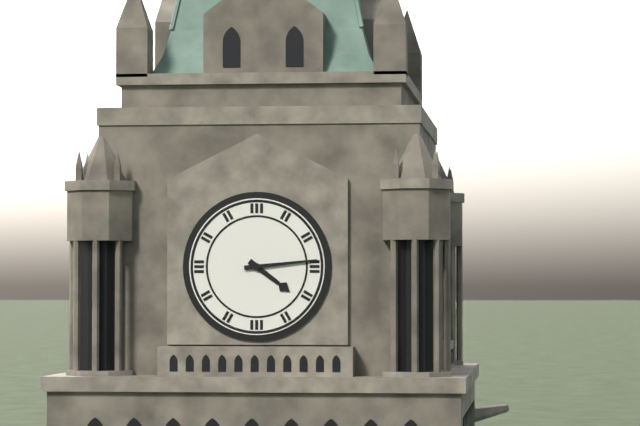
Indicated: 4 h 14 min
